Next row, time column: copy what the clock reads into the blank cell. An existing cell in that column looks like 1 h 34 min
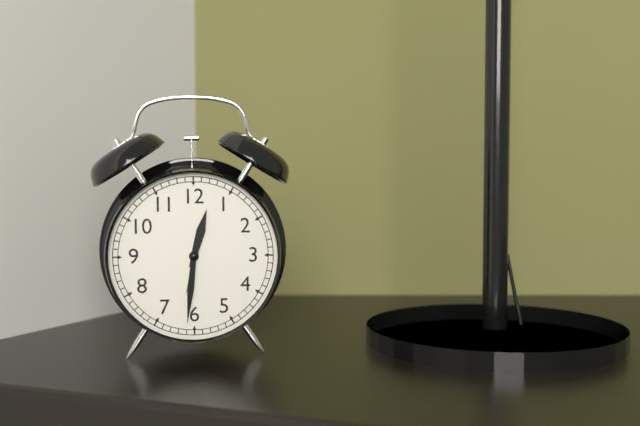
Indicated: 12 h 31 min
